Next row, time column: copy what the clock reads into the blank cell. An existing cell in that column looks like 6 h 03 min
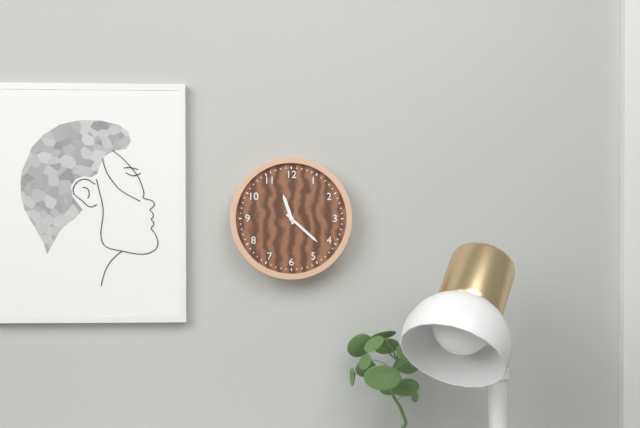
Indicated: 11 h 22 min
